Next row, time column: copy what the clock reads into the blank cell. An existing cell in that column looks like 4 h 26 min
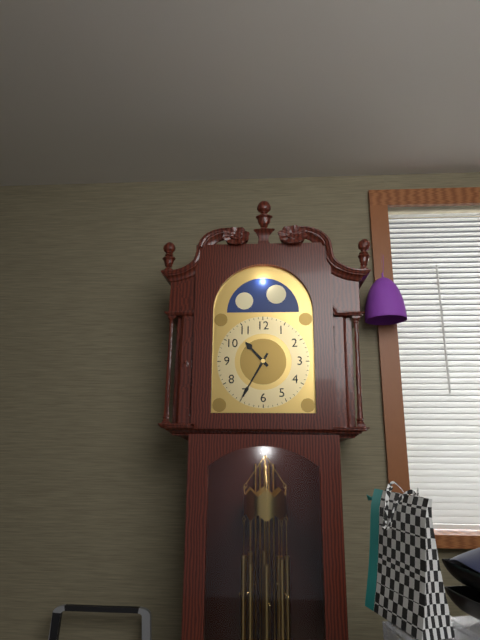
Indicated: 10 h 35 min
